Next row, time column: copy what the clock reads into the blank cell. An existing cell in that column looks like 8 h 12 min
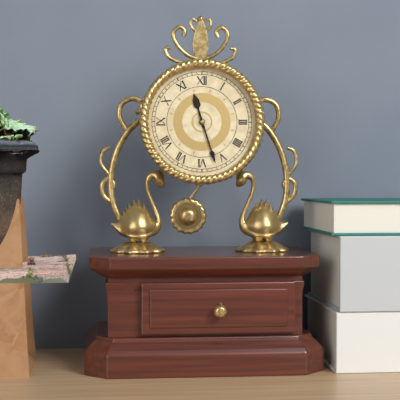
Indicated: 11 h 27 min
